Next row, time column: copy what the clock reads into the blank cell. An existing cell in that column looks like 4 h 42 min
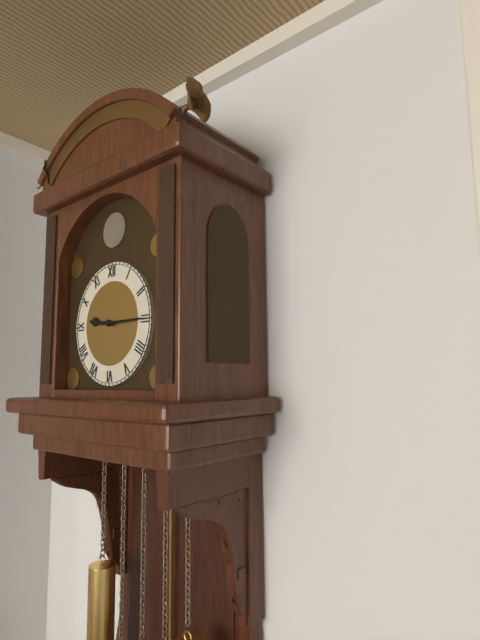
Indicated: 9 h 15 min
